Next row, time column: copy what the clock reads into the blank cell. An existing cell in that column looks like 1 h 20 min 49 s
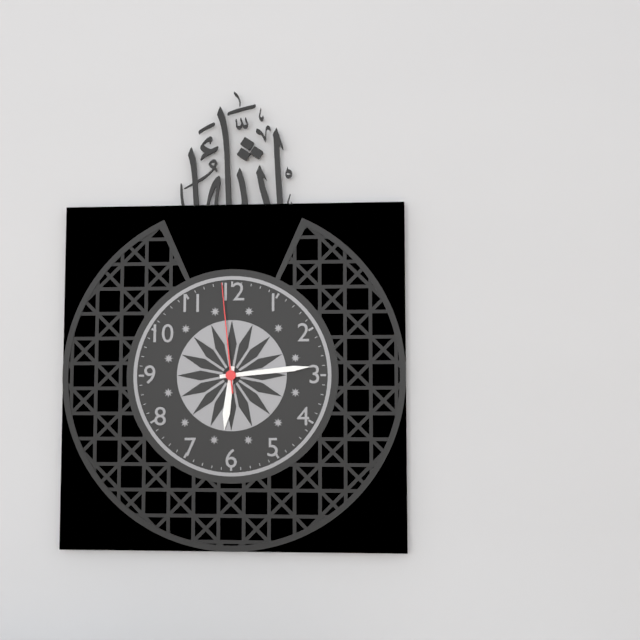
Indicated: 6 h 14 min 59 s
